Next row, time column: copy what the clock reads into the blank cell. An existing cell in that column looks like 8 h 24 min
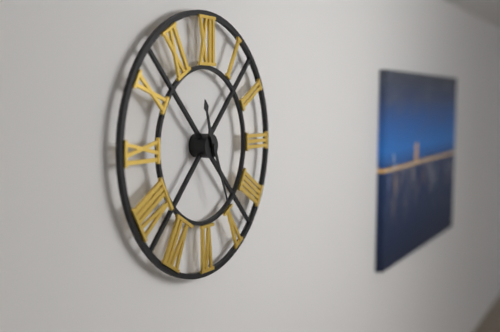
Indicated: 11 h 26 min
